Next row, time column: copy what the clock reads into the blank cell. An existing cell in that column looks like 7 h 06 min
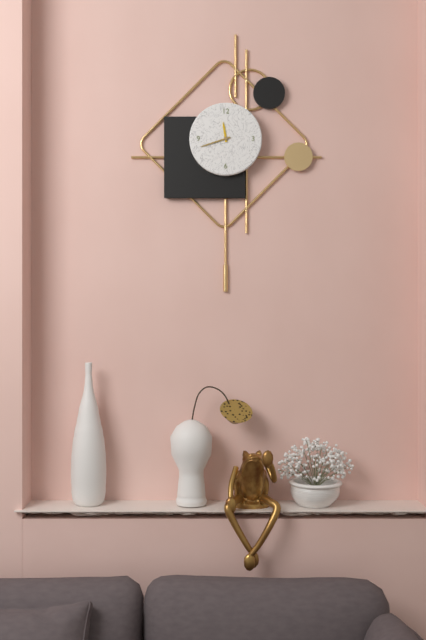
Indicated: 11 h 42 min
